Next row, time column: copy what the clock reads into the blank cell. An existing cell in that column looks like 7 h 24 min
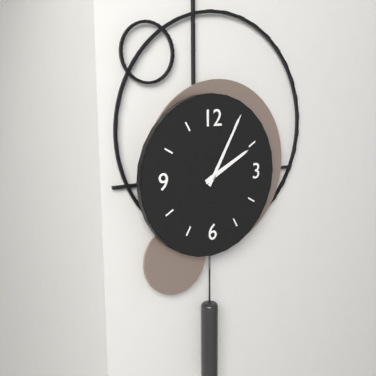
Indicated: 2 h 05 min
